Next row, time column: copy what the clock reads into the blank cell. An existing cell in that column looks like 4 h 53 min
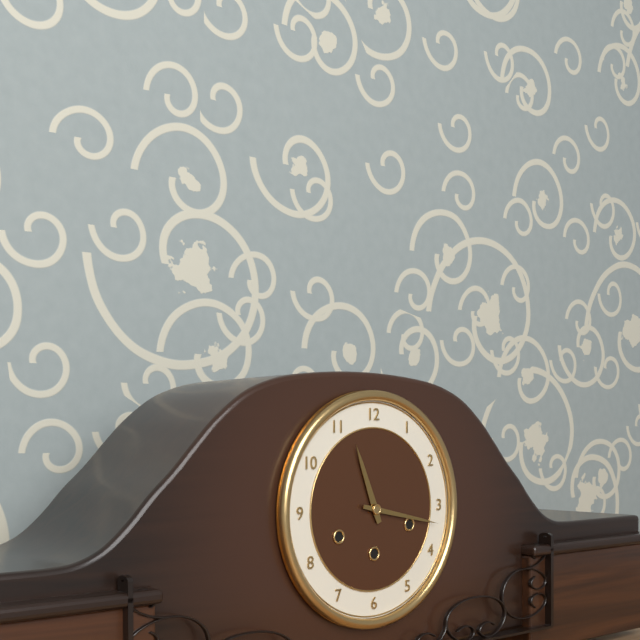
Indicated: 11 h 17 min
